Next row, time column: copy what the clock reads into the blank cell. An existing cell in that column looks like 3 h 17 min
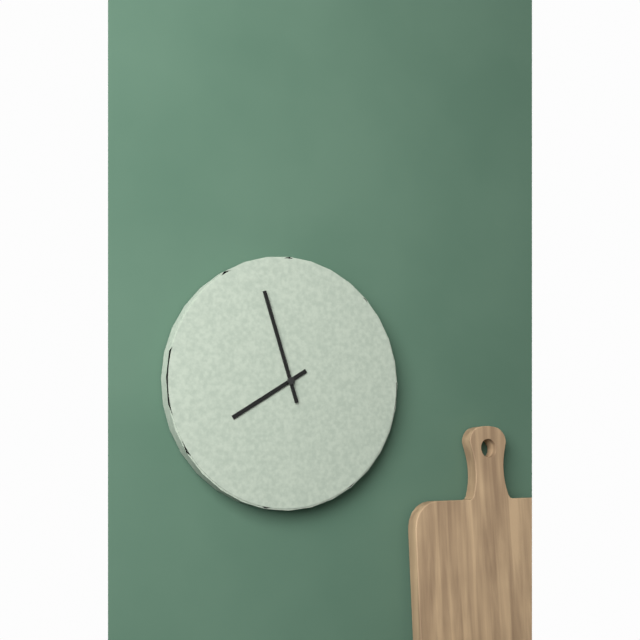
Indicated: 7 h 57 min
